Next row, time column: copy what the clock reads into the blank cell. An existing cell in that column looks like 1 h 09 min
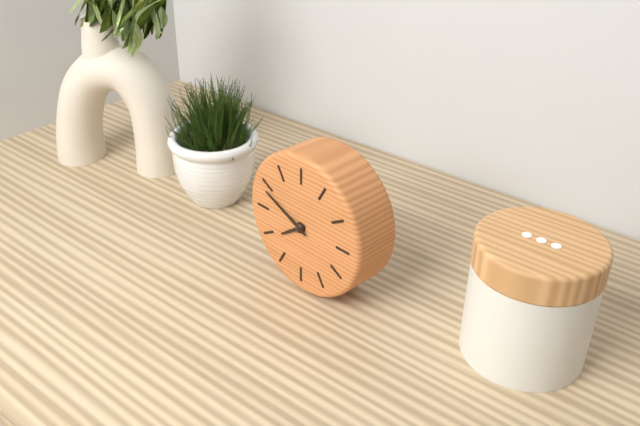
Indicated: 7 h 49 min
